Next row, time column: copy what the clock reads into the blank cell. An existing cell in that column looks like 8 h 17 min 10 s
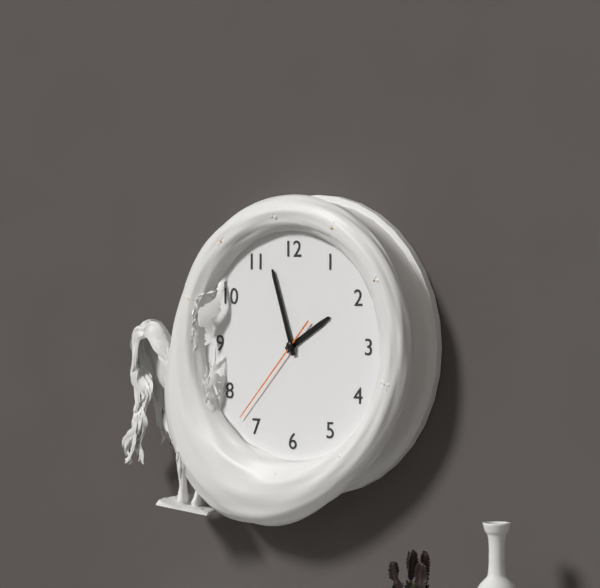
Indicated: 1 h 57 min 37 s
